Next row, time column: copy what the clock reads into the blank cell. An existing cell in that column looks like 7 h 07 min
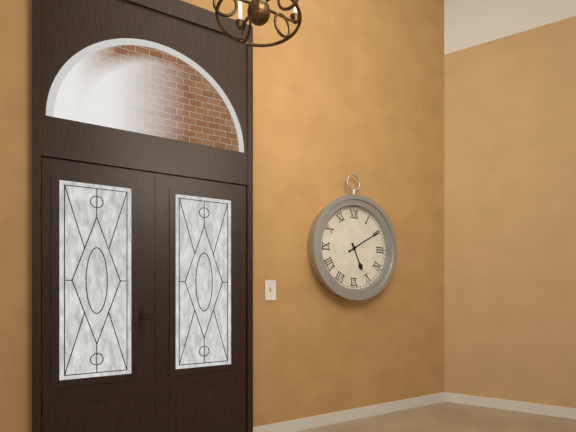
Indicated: 5 h 10 min
